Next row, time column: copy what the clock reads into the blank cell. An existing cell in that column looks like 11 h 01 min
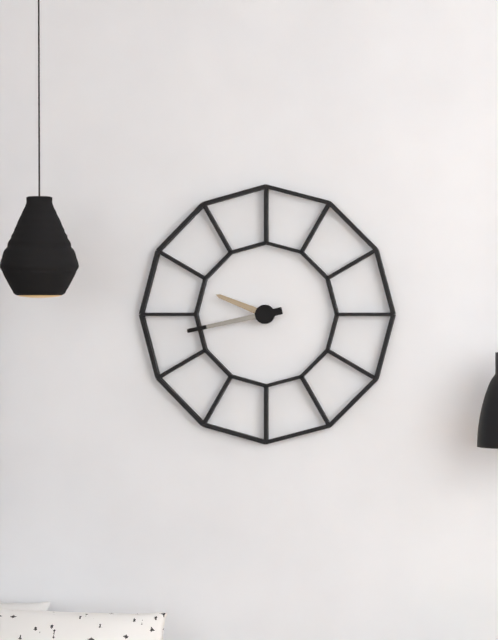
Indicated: 9 h 43 min
